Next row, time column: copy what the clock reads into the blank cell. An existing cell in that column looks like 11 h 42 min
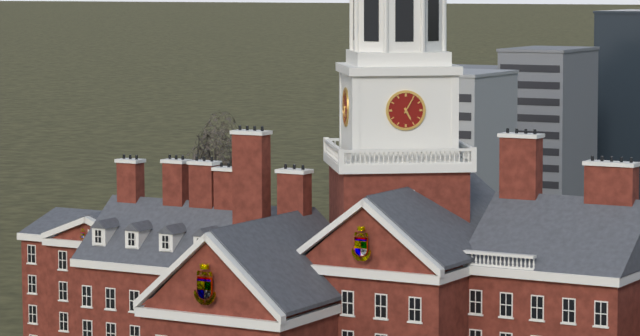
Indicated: 5 h 05 min
